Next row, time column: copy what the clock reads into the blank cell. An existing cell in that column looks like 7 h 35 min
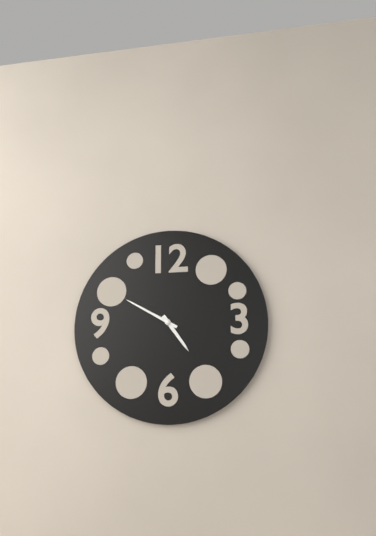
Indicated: 4 h 50 min
